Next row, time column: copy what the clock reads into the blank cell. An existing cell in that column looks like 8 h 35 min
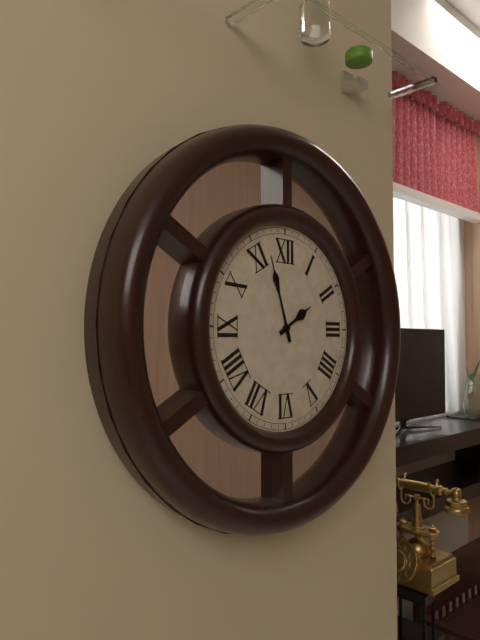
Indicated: 1 h 57 min
